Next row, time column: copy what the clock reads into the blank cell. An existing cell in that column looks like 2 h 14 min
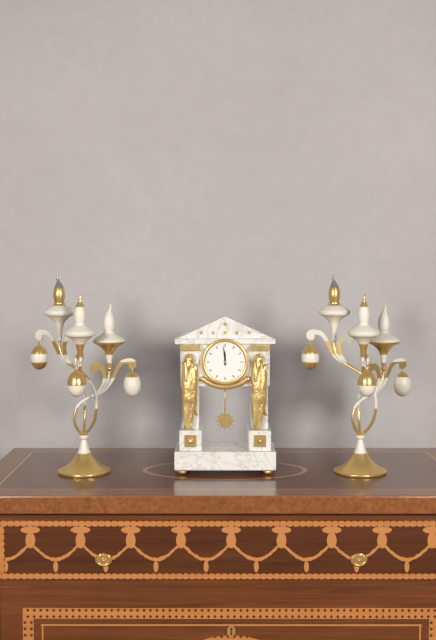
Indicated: 11 h 59 min
